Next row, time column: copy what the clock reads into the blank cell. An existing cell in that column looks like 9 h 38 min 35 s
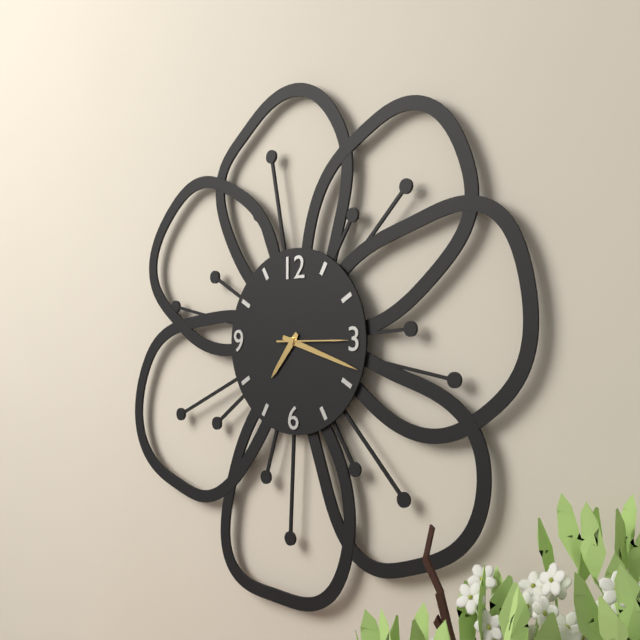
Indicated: 7 h 18 min 15 s
